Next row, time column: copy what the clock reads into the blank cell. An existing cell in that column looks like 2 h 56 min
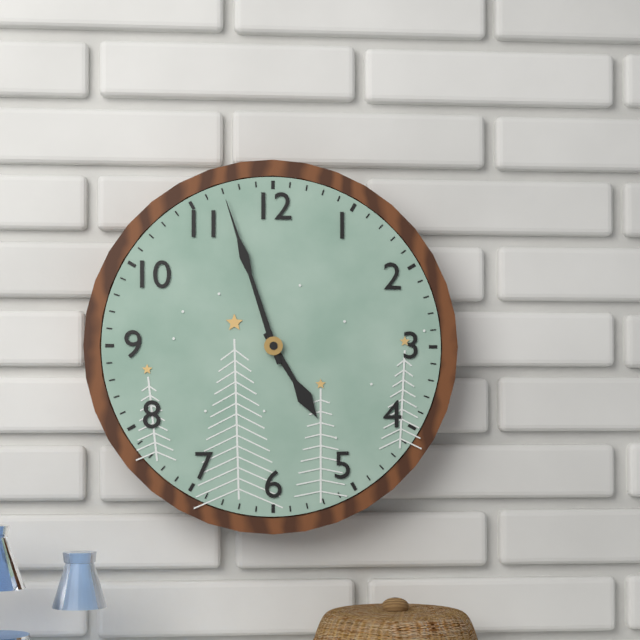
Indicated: 4 h 57 min
